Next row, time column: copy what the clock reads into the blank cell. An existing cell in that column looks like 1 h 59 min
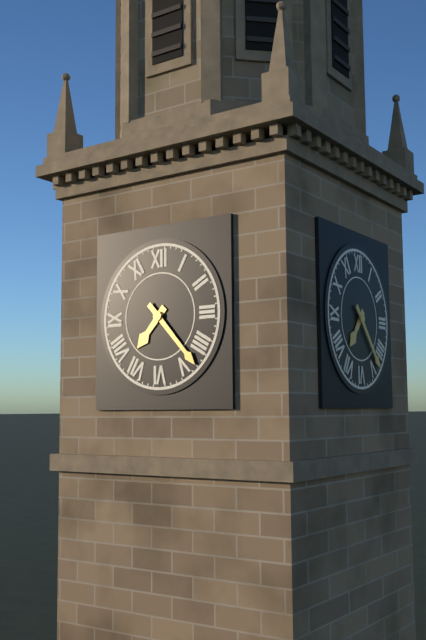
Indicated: 7 h 23 min
